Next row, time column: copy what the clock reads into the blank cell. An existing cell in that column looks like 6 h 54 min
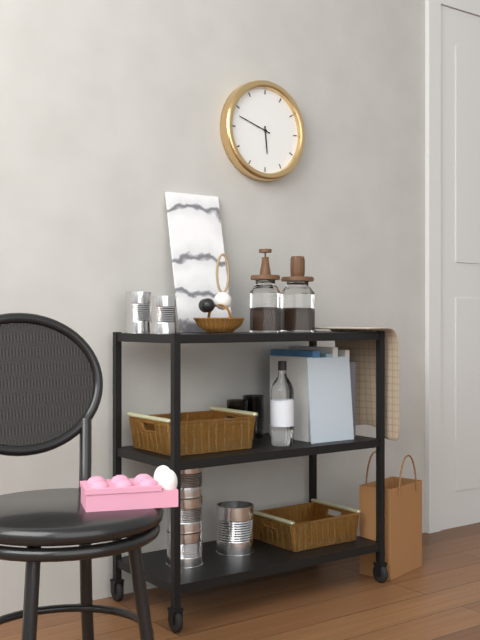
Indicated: 5 h 48 min
